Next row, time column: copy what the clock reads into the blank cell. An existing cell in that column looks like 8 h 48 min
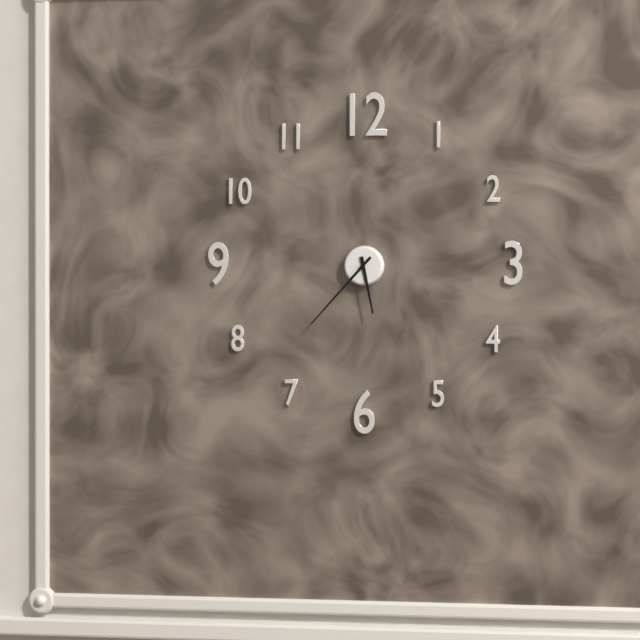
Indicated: 5 h 37 min
